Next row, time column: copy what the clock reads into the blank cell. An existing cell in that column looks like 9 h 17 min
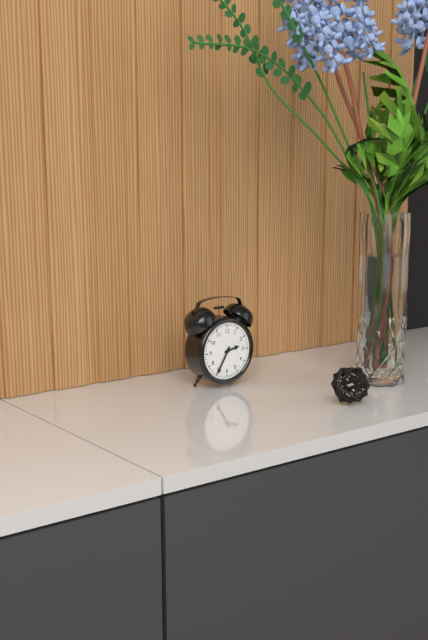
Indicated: 2 h 35 min
